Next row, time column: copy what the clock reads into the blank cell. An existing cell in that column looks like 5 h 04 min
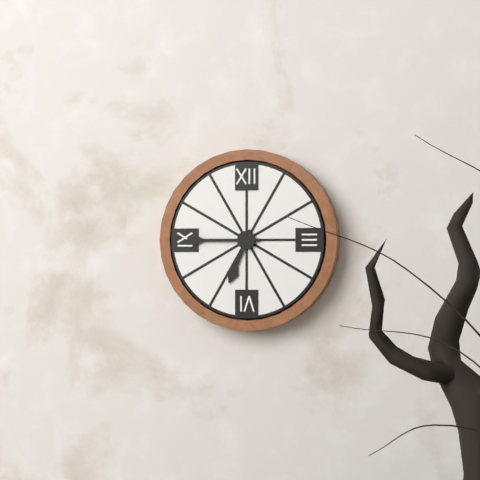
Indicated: 6 h 45 min
